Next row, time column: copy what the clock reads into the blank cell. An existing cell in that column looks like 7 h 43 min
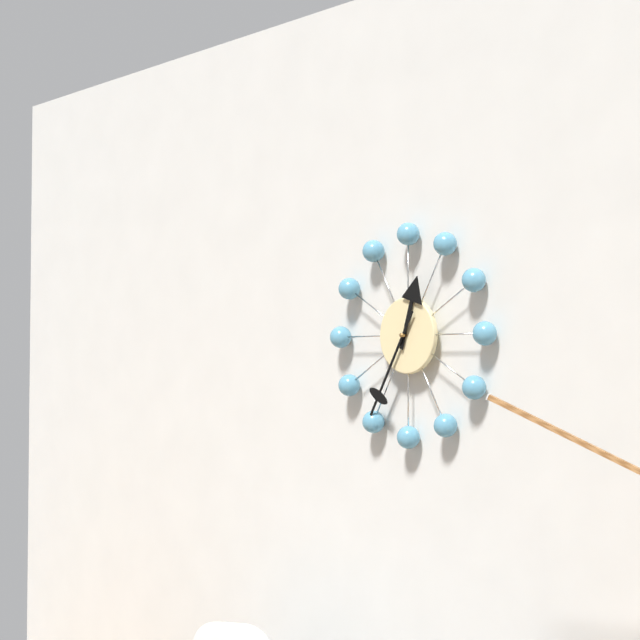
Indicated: 12 h 35 min
